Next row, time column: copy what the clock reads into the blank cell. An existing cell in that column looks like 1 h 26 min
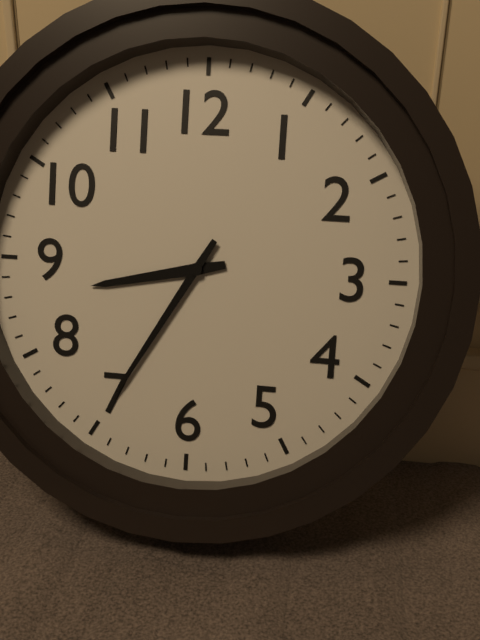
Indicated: 8 h 35 min
